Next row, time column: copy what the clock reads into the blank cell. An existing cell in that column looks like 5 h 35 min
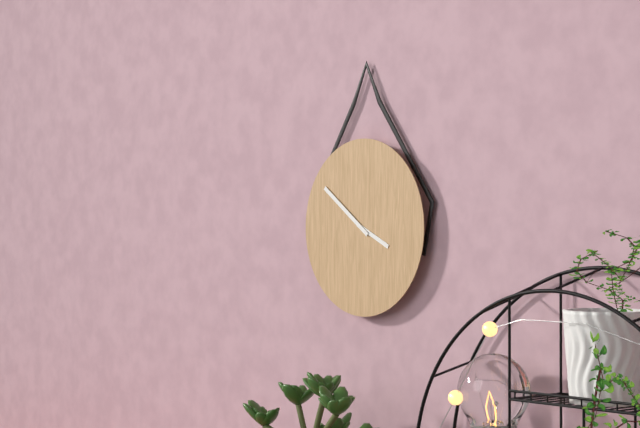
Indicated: 3 h 51 min
